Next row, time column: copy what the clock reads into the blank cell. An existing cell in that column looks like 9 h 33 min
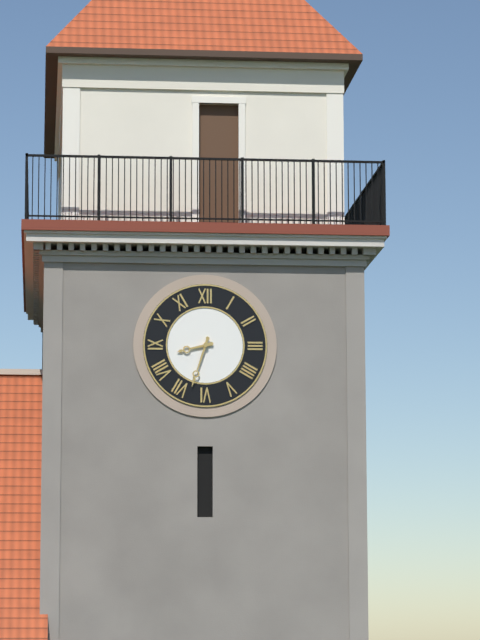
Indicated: 8 h 33 min
